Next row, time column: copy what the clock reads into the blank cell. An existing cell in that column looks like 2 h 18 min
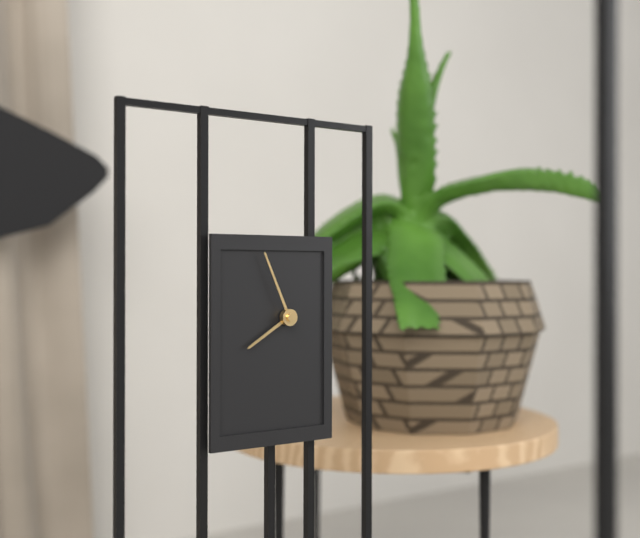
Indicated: 7 h 56 min
